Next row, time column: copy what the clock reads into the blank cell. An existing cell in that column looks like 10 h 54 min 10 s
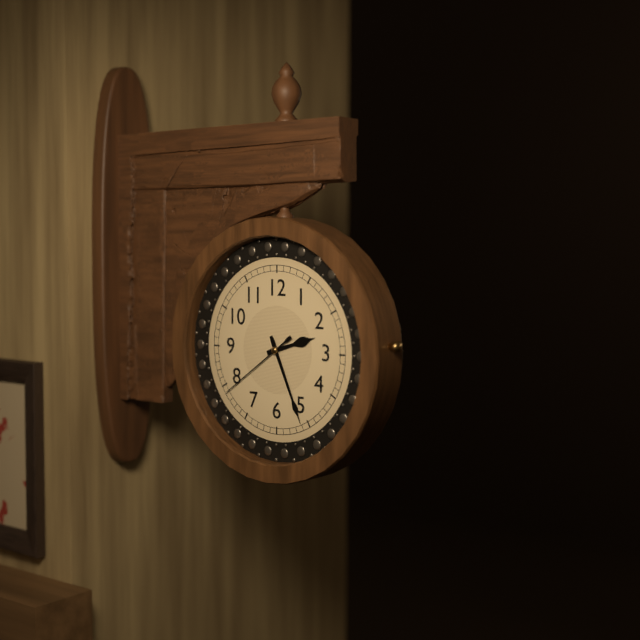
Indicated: 2 h 26 min 39 s
